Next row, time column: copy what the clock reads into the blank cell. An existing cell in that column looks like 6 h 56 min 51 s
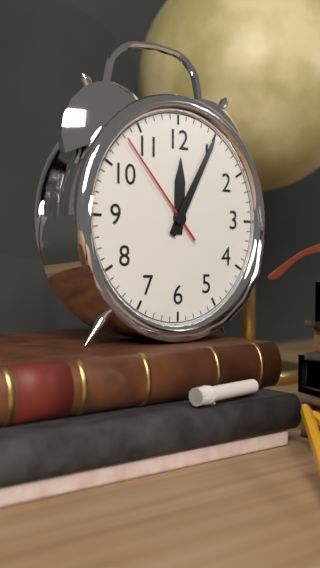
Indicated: 12 h 05 min 53 s
